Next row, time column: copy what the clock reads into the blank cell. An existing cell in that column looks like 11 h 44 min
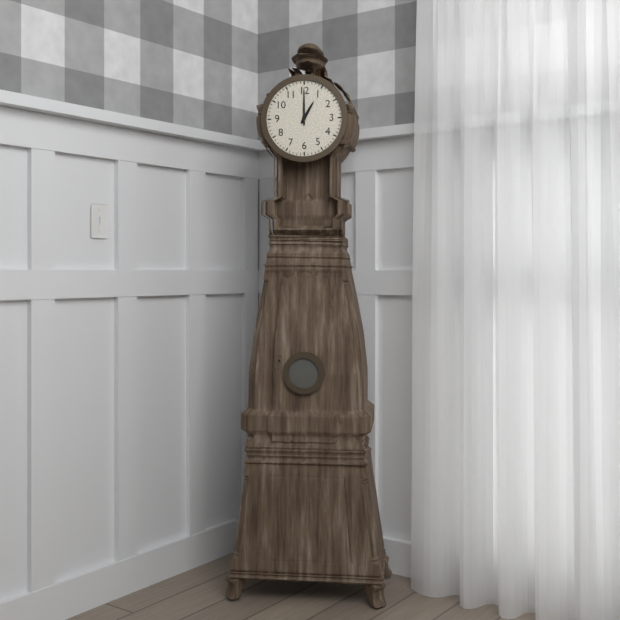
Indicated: 1 h 00 min
